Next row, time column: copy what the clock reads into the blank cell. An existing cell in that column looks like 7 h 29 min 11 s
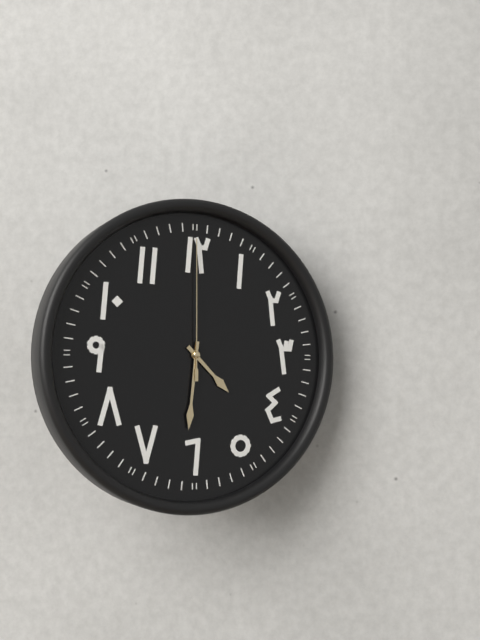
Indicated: 4 h 31 min 00 s
